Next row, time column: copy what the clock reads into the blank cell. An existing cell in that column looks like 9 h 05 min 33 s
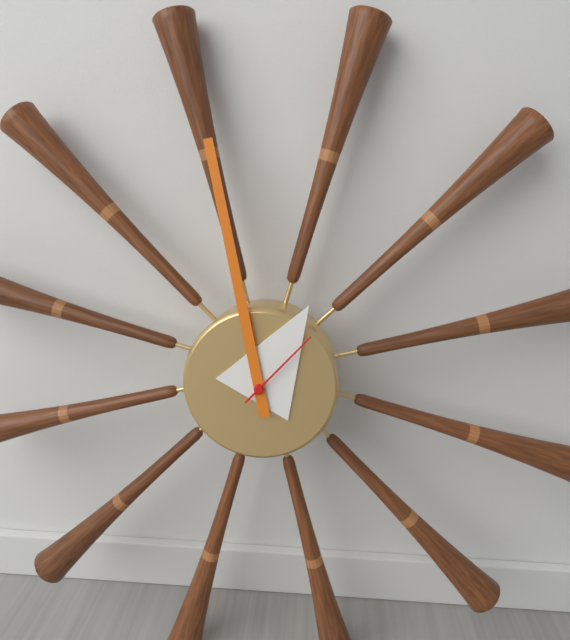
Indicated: 12 h 58 min 07 s
